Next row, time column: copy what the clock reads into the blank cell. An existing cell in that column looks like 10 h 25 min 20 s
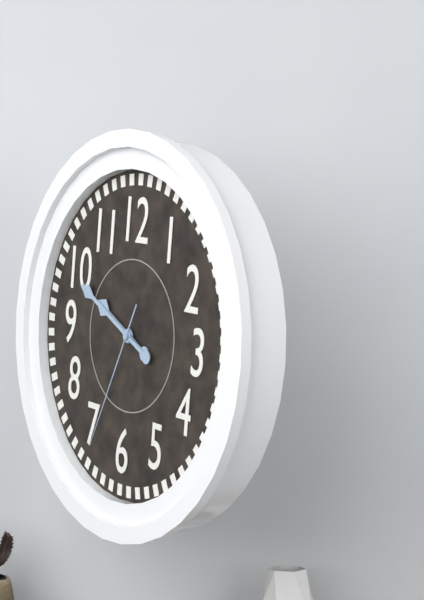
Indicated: 9 h 49 min 34 s
